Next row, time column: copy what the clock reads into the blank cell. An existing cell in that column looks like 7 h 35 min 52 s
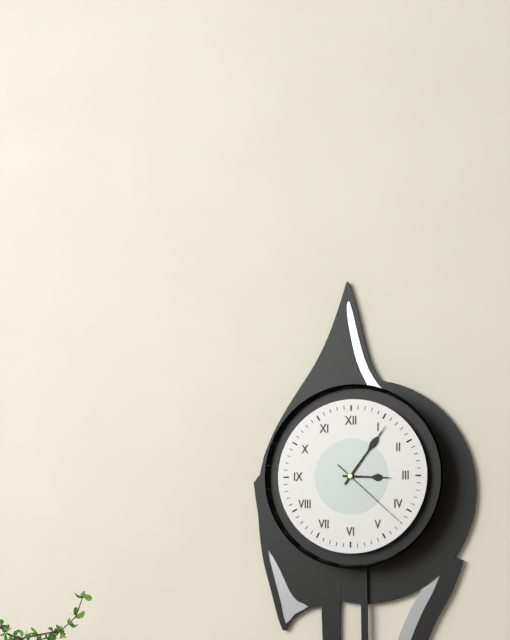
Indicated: 3 h 06 min 22 s
